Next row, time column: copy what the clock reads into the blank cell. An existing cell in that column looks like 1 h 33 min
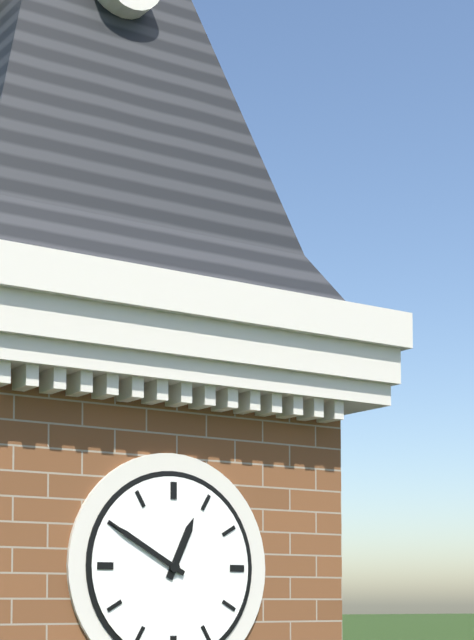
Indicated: 12 h 50 min
